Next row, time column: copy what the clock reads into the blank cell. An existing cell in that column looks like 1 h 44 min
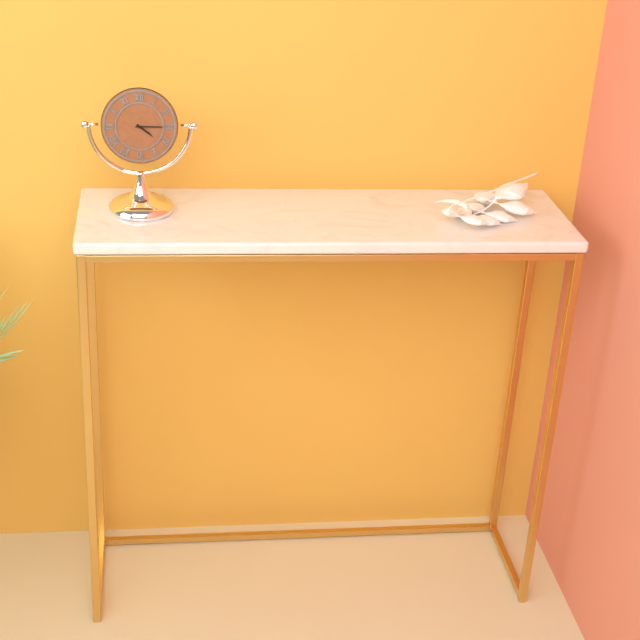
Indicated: 4 h 15 min
